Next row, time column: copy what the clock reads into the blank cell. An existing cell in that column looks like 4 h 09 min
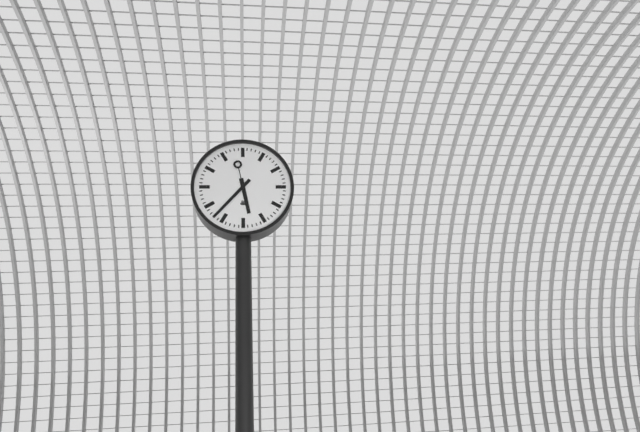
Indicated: 5 h 37 min
